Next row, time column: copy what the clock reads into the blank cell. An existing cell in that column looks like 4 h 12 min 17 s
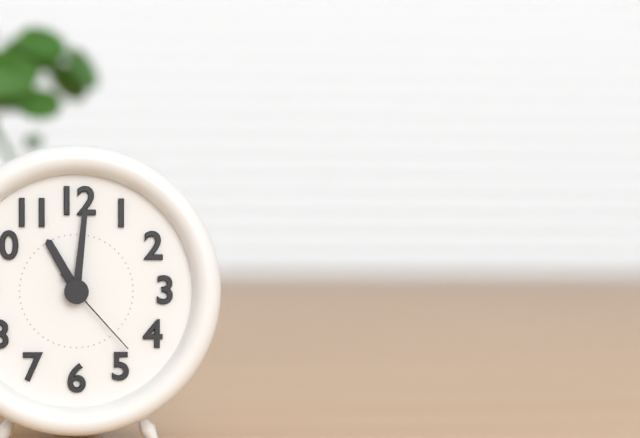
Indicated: 11 h 01 min 23 s
